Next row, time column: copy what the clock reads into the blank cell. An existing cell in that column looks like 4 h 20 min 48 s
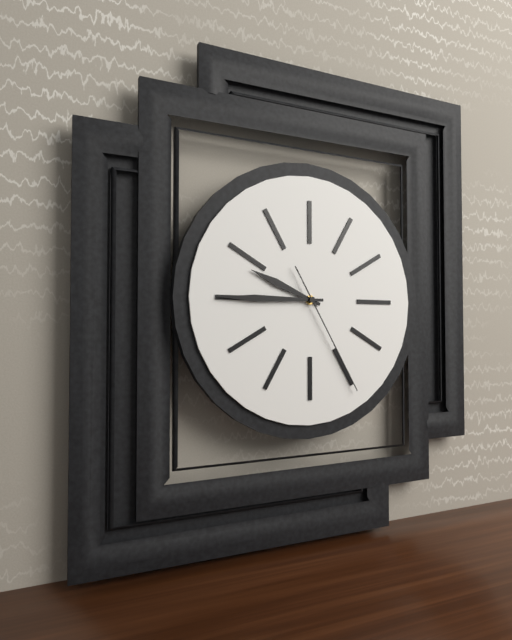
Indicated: 9 h 45 min 25 s
